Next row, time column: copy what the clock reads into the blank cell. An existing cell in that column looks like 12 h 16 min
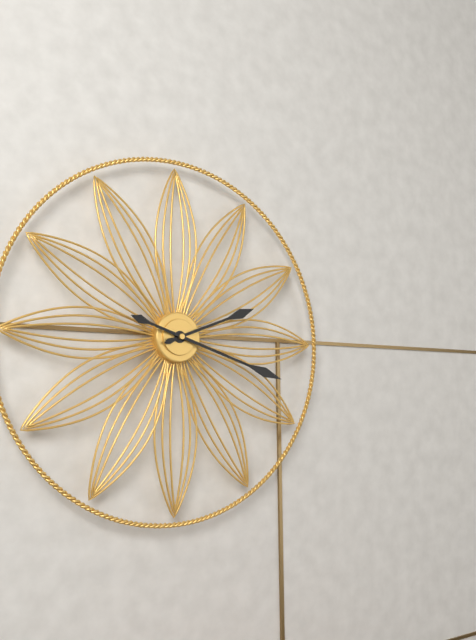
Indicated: 2 h 18 min
